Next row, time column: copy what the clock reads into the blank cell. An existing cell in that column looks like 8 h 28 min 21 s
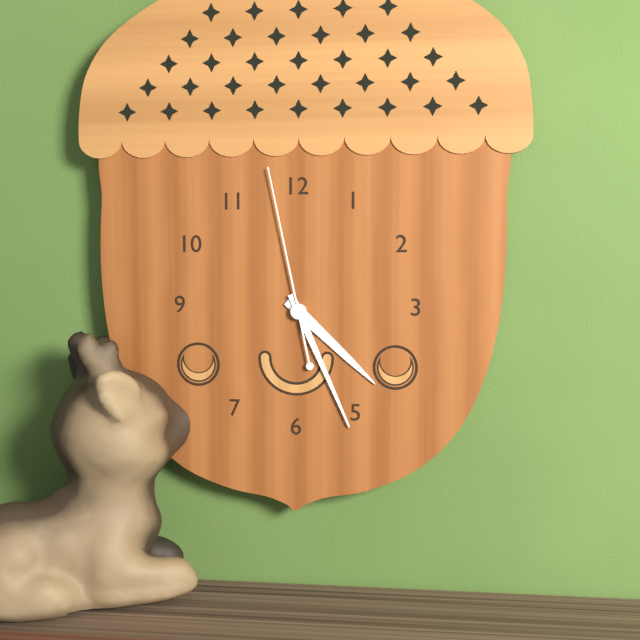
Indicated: 4 h 26 min 58 s
